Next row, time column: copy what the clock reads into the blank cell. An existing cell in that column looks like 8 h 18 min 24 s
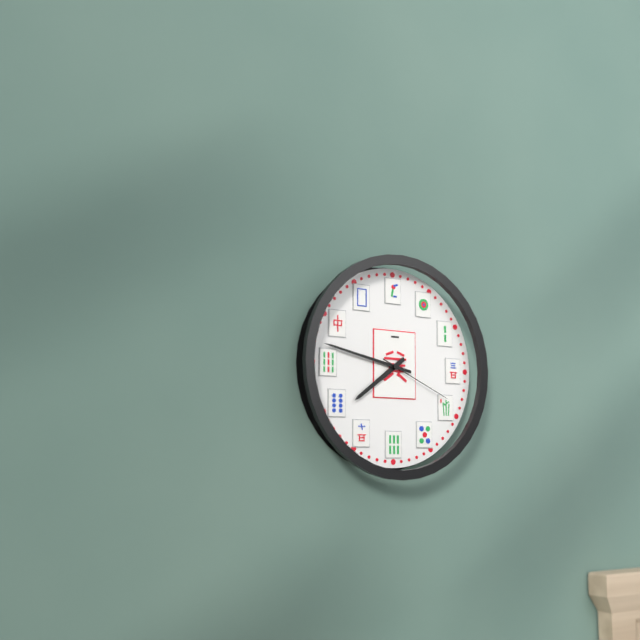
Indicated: 7 h 47 min 19 s
